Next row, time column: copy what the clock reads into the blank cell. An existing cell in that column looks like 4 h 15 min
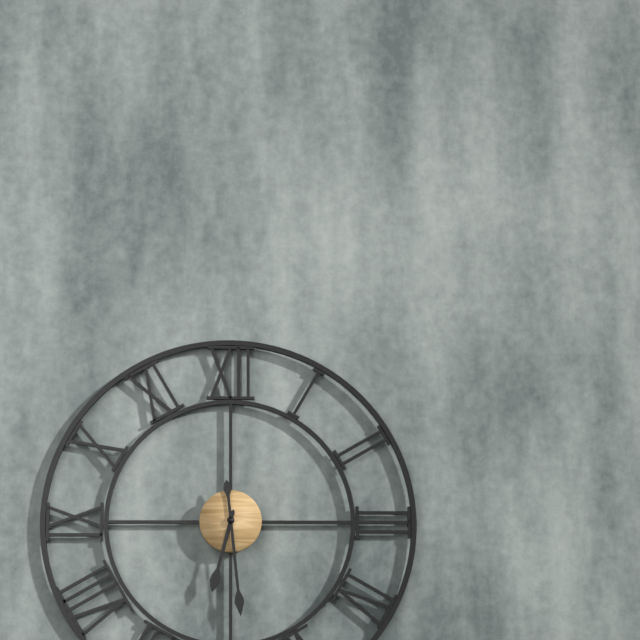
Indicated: 6 h 29 min
